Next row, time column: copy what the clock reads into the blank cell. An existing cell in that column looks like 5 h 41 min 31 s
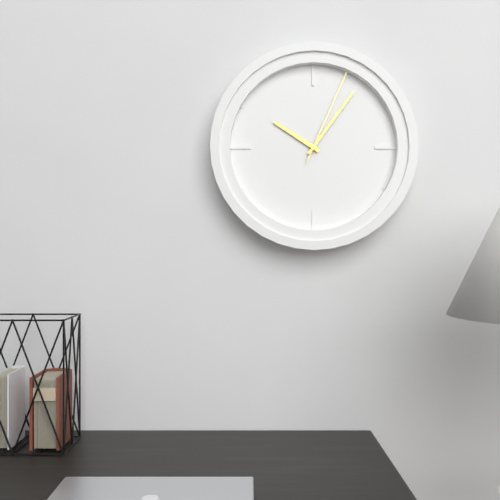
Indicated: 10 h 06 min 04 s
